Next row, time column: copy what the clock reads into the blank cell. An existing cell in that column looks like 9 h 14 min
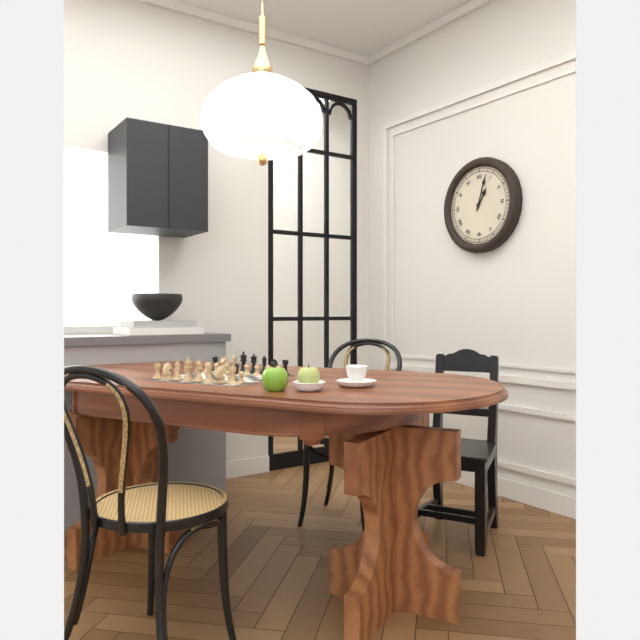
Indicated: 1 h 03 min
